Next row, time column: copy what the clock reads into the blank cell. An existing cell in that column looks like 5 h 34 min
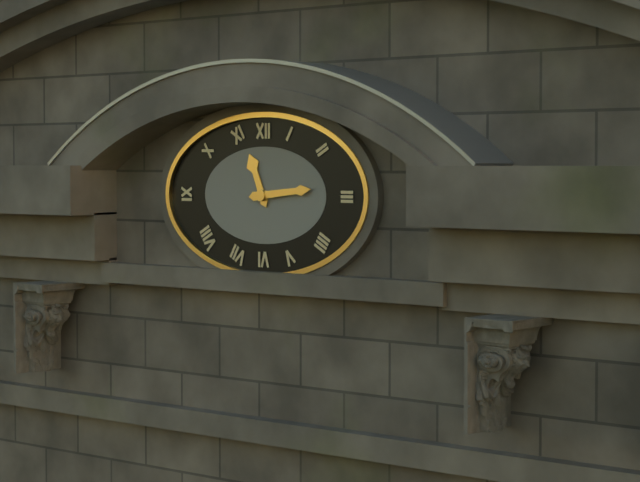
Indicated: 11 h 14 min
